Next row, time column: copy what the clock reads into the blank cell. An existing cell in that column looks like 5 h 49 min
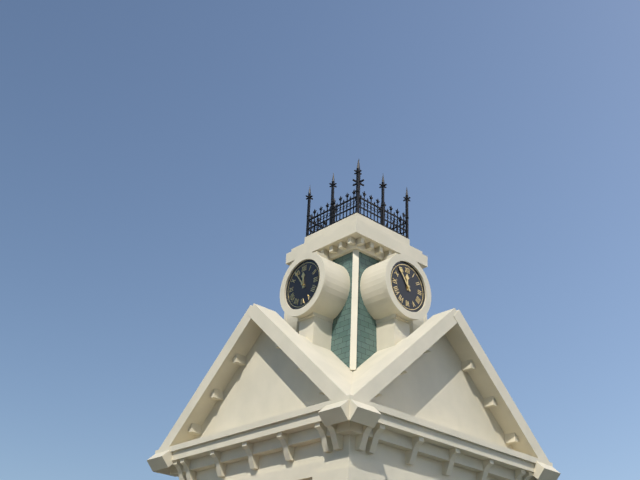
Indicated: 11 h 54 min
